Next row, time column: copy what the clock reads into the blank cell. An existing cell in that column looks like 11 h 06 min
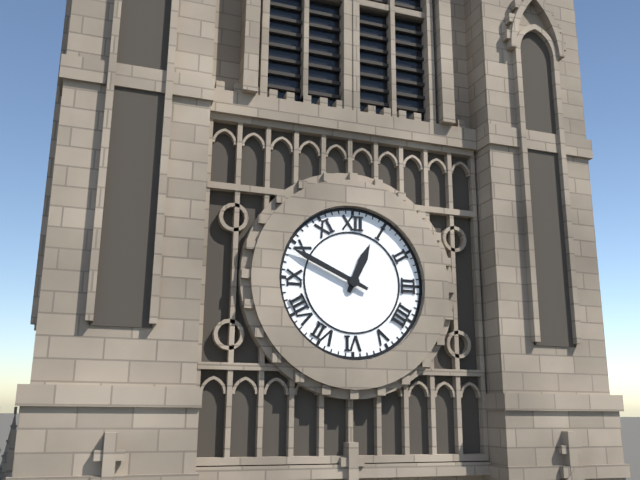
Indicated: 12 h 49 min
